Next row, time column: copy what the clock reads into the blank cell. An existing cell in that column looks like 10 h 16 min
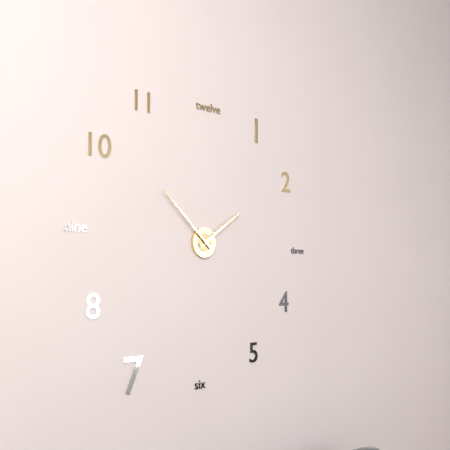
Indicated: 1 h 52 min
